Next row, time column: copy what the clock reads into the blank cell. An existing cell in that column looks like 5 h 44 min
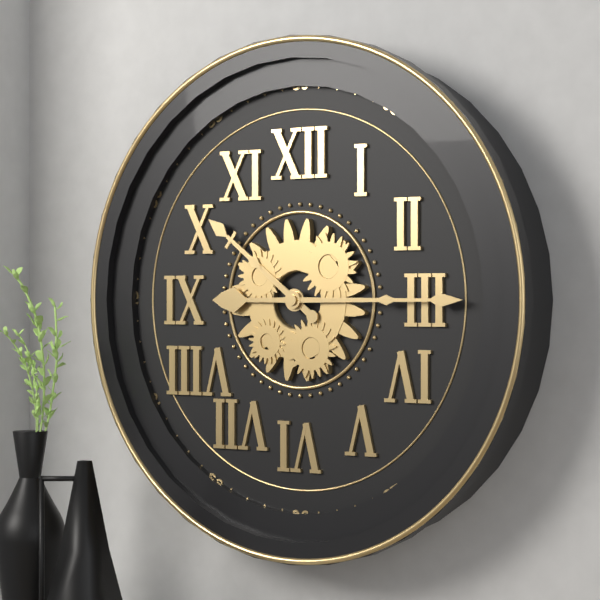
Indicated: 10 h 15 min
